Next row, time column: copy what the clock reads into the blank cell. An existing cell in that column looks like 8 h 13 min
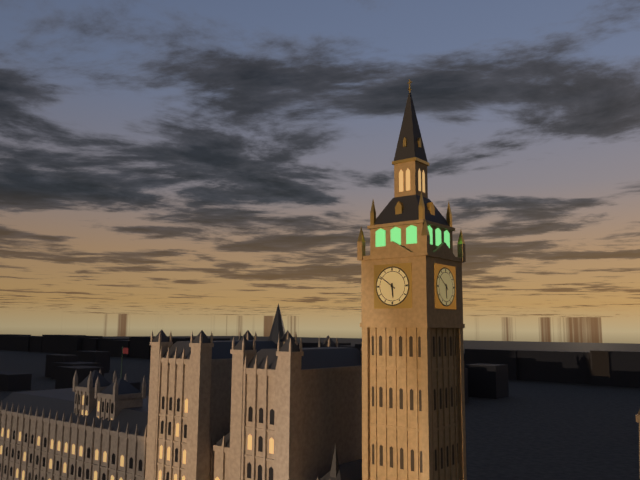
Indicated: 5 h 51 min
